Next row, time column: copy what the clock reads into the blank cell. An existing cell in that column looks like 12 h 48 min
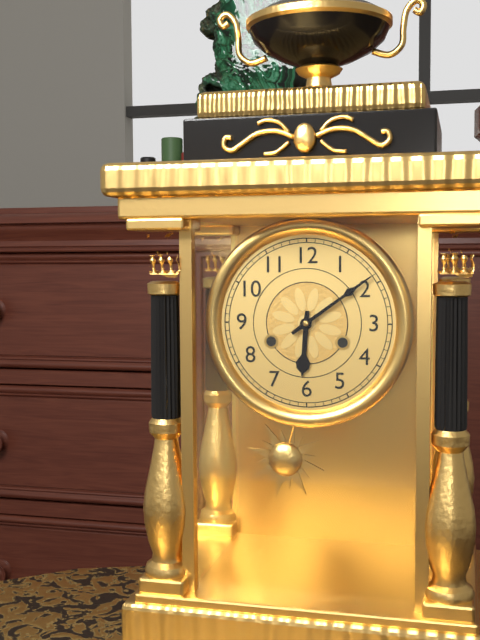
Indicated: 6 h 09 min
